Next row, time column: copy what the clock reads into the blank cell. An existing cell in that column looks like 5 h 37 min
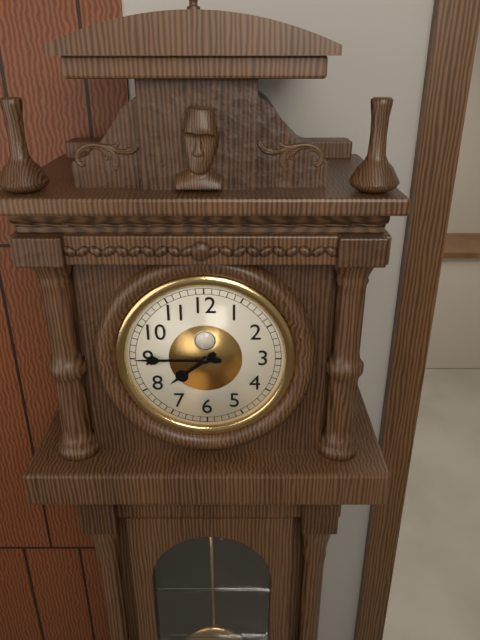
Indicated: 7 h 45 min
